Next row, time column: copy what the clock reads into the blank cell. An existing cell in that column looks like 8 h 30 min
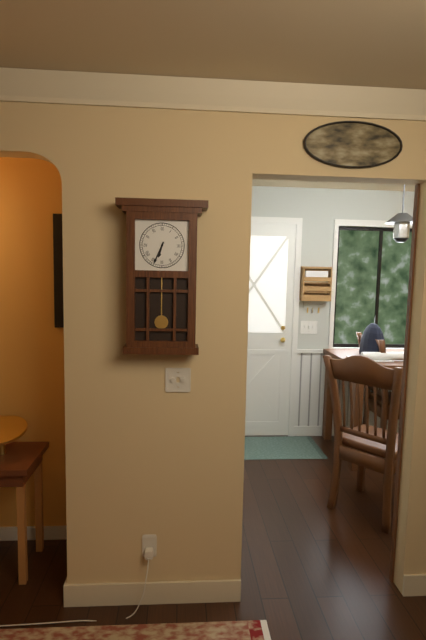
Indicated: 6 h 34 min
